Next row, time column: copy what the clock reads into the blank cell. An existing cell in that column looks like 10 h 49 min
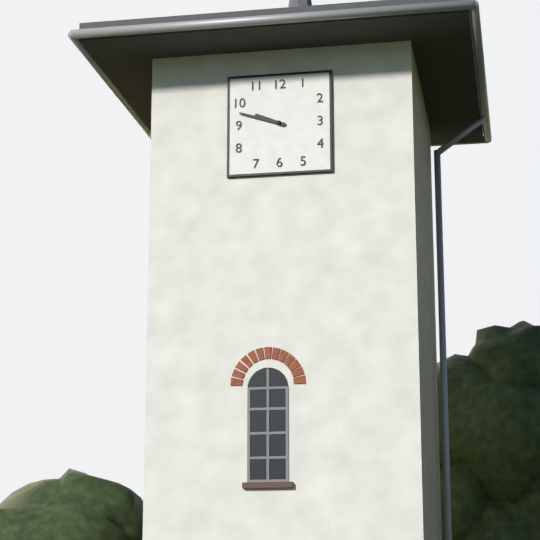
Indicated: 9 h 48 min
